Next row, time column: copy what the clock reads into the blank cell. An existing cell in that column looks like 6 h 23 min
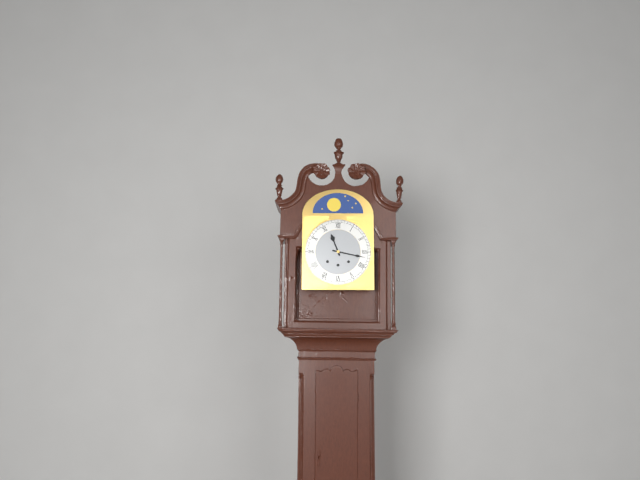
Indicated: 11 h 17 min
